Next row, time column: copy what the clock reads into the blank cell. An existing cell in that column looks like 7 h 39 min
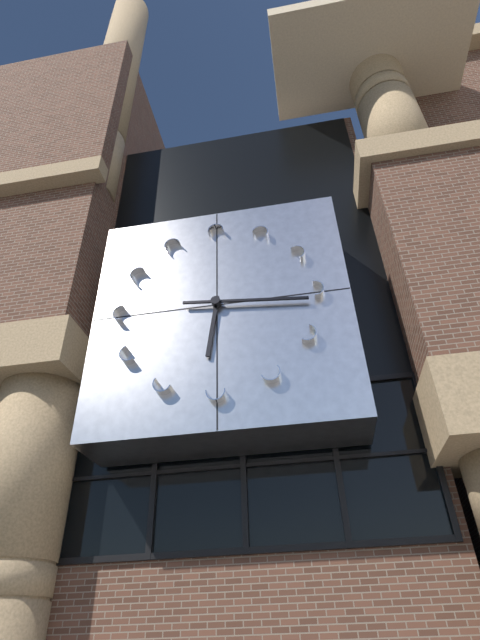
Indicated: 6 h 16 min
